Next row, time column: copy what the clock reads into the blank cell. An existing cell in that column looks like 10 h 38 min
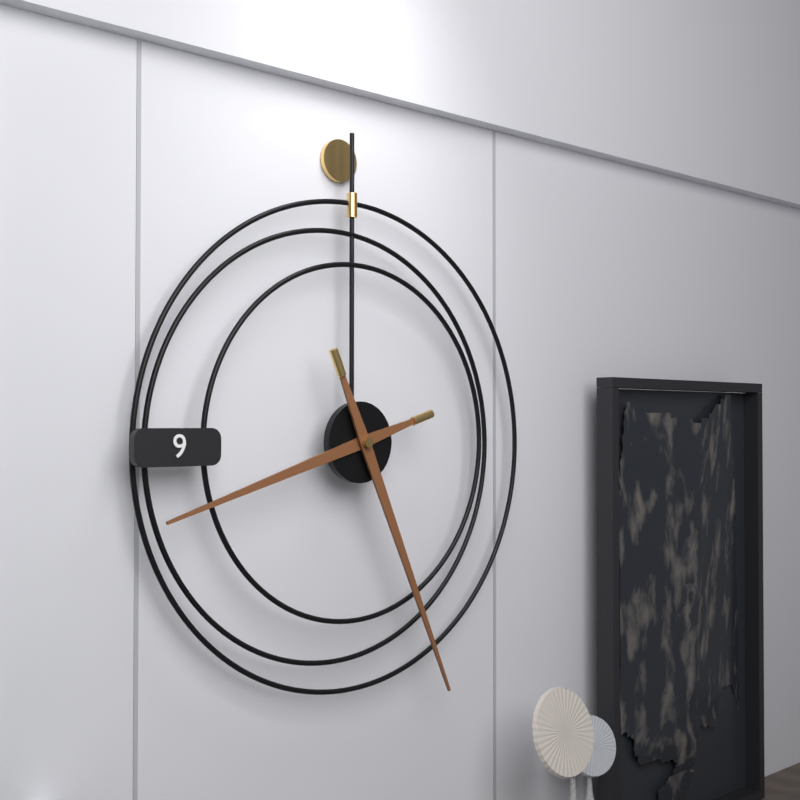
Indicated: 8 h 26 min
